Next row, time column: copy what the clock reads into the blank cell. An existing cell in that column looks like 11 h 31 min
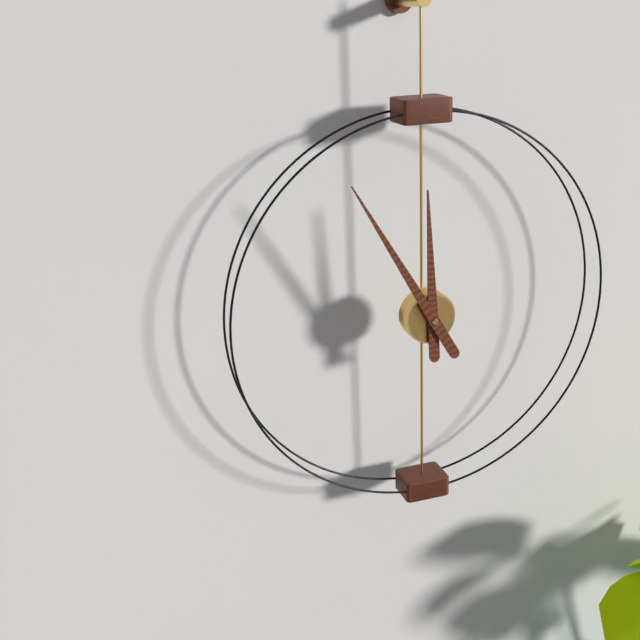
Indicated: 11 h 55 min
